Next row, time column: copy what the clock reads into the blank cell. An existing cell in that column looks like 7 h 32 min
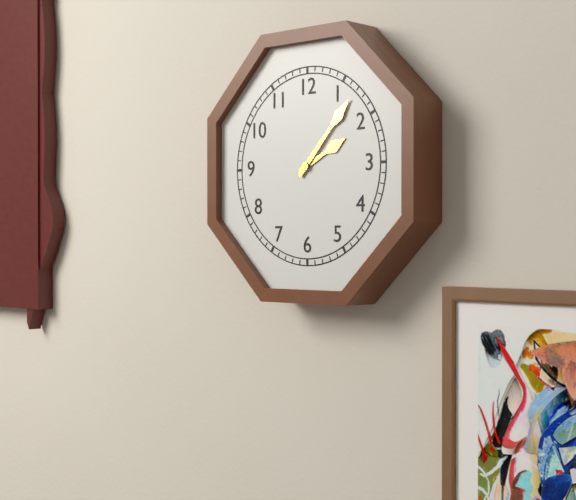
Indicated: 2 h 07 min
